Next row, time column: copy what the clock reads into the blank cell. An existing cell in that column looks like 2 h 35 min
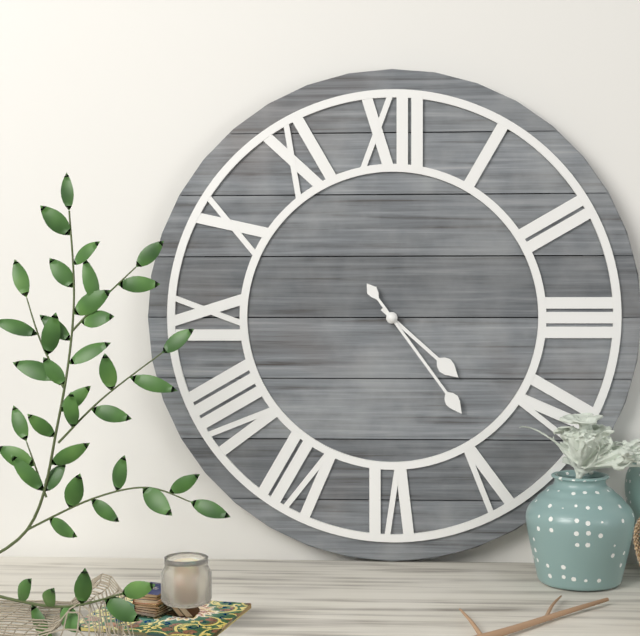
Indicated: 4 h 24 min
